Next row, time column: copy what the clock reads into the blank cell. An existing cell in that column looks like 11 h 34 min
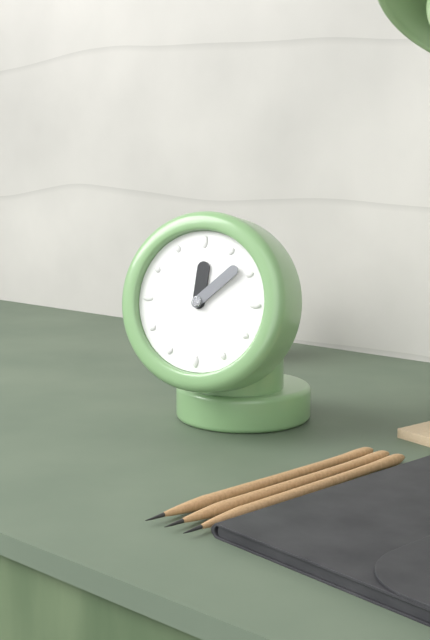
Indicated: 12 h 08 min
